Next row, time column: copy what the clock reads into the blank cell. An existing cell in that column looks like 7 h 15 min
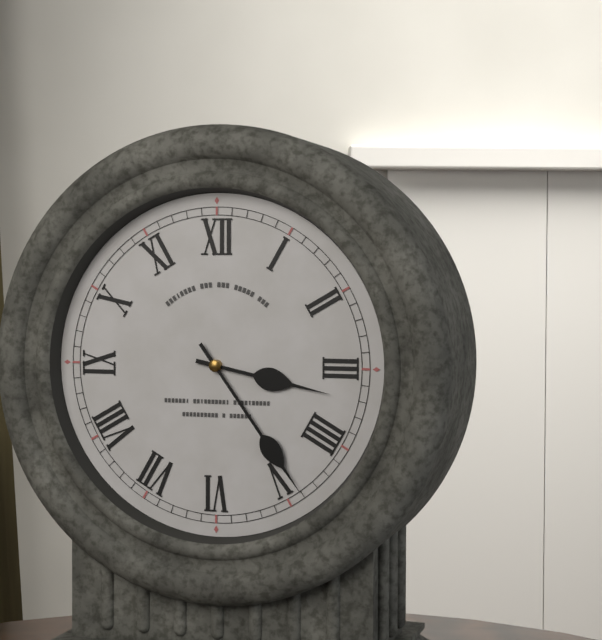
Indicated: 3 h 24 min
